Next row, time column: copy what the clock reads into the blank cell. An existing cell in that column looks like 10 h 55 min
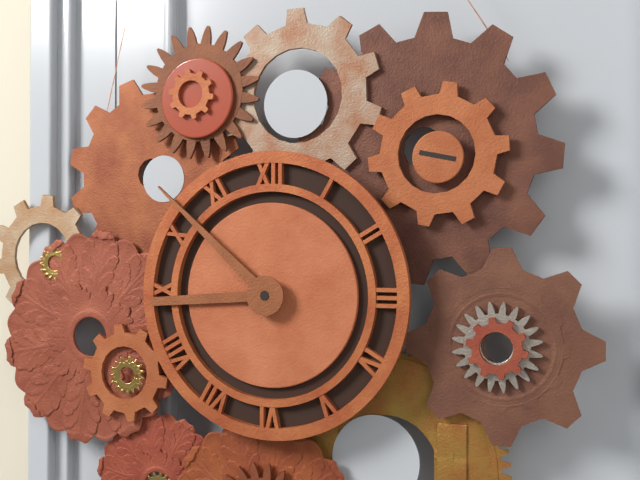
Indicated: 8 h 52 min
